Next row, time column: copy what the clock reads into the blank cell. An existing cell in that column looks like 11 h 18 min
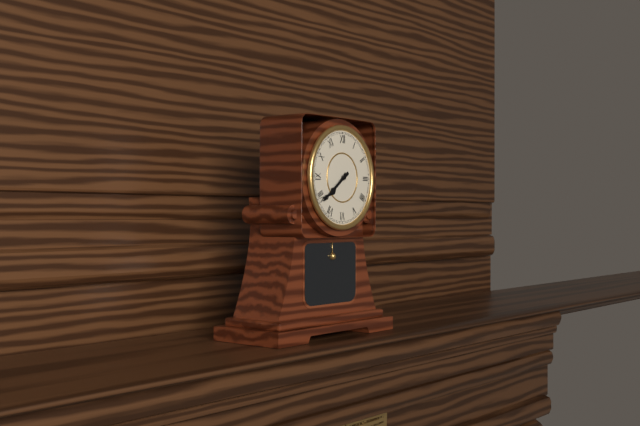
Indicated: 7 h 39 min
